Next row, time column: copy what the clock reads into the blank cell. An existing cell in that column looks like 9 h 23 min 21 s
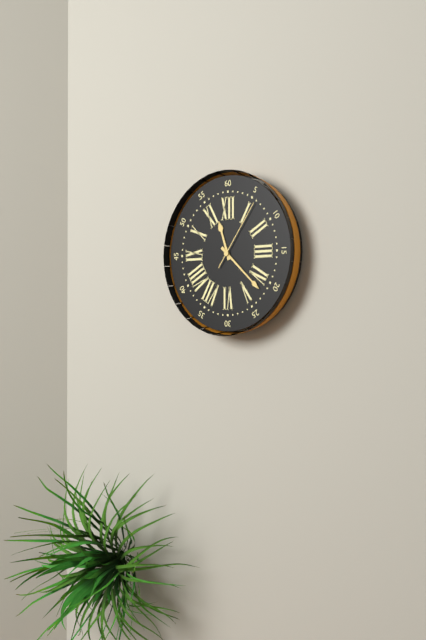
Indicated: 11 h 22 min 06 s
